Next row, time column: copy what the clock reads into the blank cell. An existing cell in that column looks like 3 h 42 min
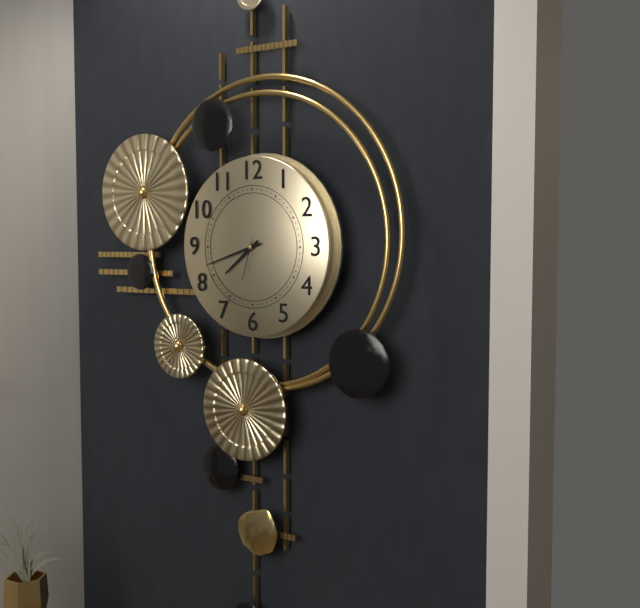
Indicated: 7 h 42 min
